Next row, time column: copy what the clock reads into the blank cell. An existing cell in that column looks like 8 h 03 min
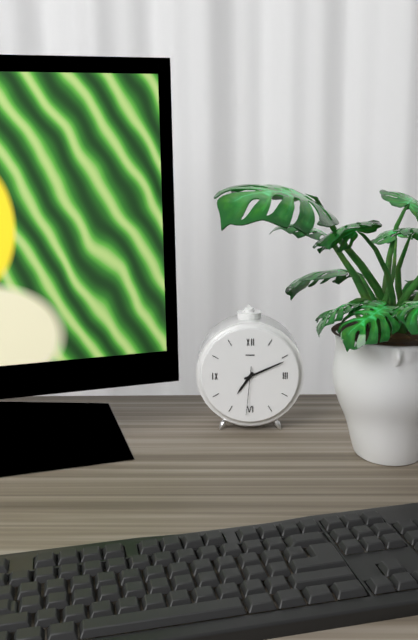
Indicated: 7 h 11 min
